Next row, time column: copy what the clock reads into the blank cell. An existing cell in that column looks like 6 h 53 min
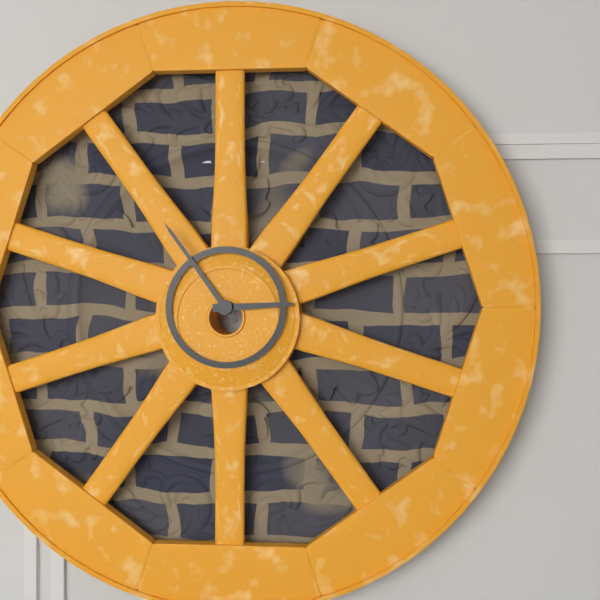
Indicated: 2 h 54 min
